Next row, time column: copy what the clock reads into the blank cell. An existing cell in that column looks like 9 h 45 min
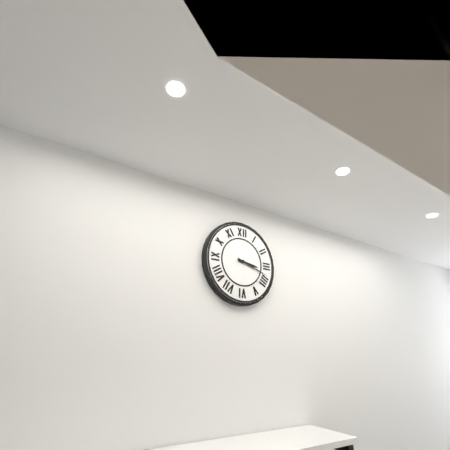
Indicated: 3 h 18 min
